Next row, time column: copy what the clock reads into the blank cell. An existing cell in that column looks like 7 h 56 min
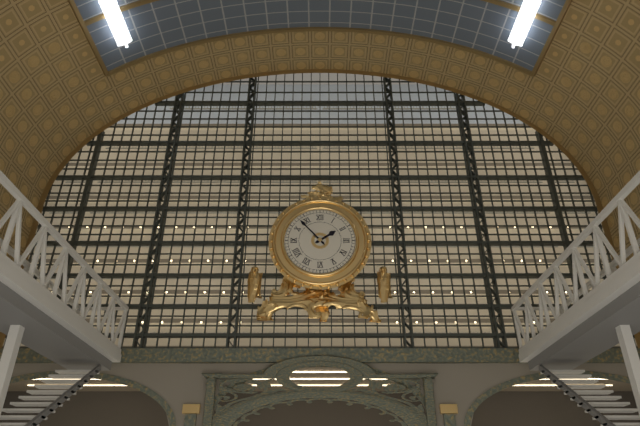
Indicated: 1 h 53 min
